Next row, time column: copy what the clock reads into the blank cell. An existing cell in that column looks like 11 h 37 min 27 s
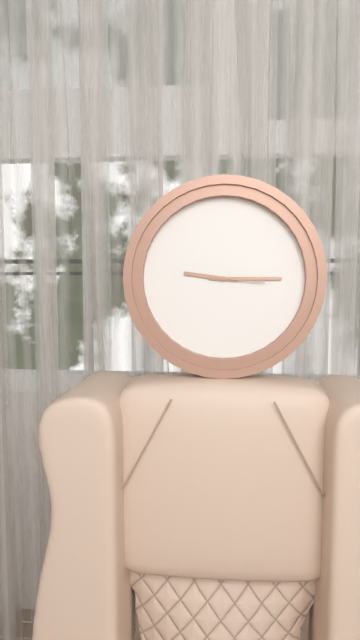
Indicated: 9 h 15 min 16 s
